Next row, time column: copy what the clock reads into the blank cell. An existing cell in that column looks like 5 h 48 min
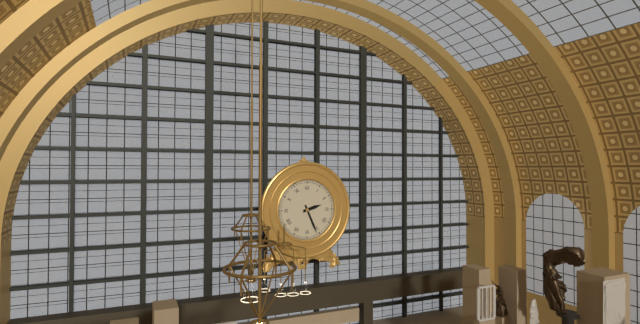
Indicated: 2 h 26 min
